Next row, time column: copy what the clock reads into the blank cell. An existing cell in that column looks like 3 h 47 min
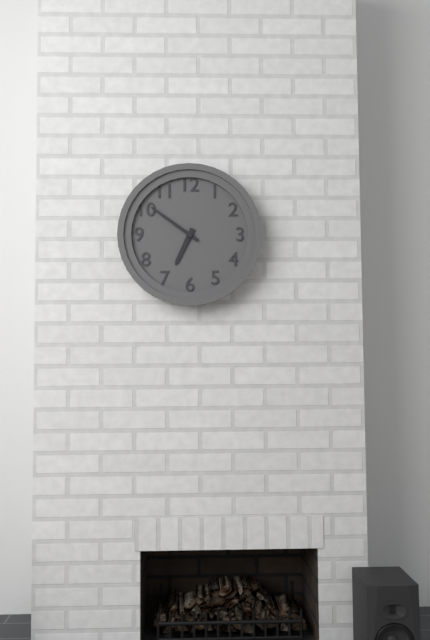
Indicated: 6 h 51 min
